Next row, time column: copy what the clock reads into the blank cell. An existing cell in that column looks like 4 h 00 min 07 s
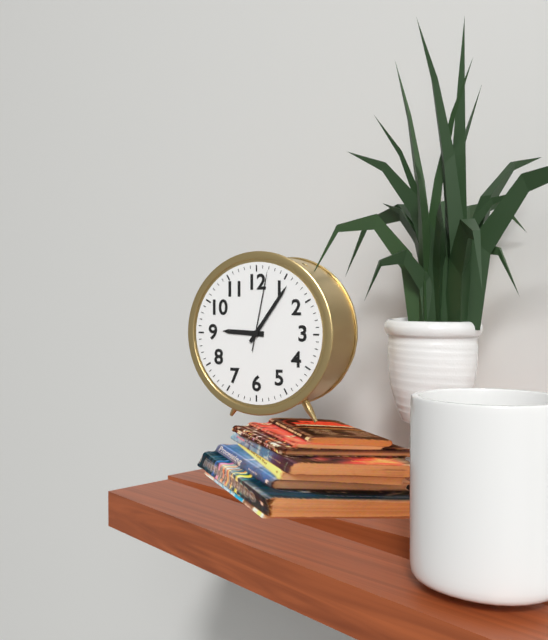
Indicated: 9 h 06 min 02 s
